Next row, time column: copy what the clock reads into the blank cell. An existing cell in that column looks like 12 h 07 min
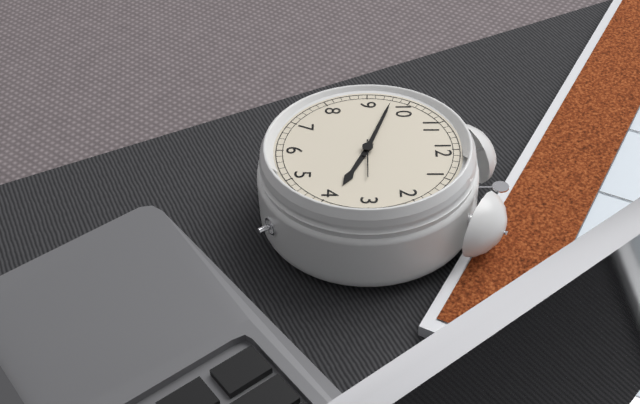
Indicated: 3 h 48 min
